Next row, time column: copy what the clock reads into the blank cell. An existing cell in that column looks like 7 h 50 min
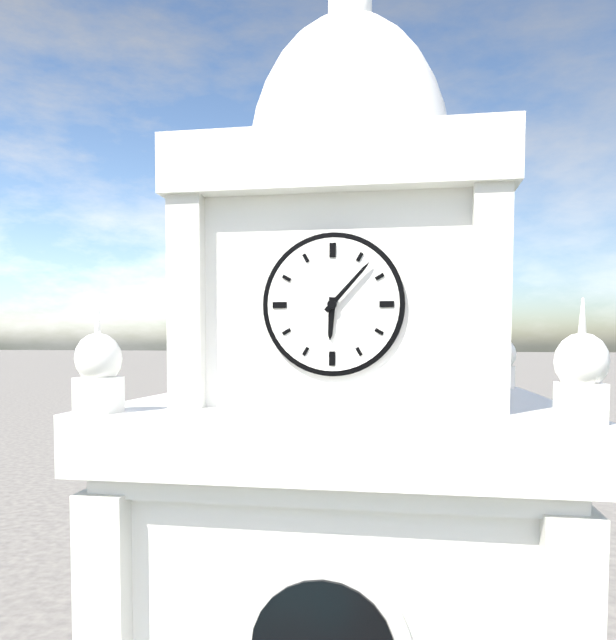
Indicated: 6 h 07 min
